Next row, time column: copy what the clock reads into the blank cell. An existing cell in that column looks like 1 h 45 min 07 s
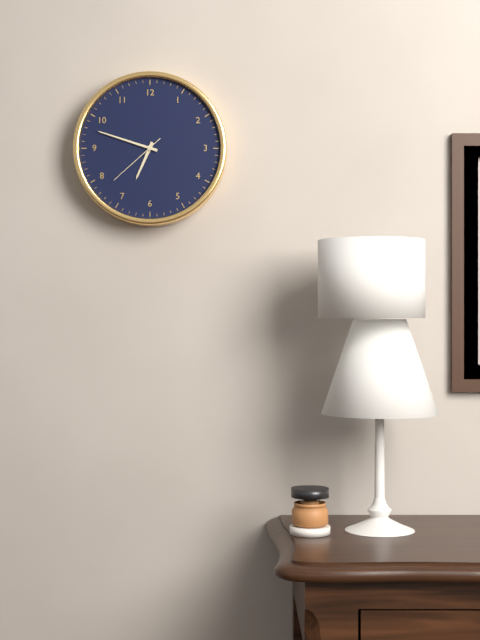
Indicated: 6 h 48 min 38 s
